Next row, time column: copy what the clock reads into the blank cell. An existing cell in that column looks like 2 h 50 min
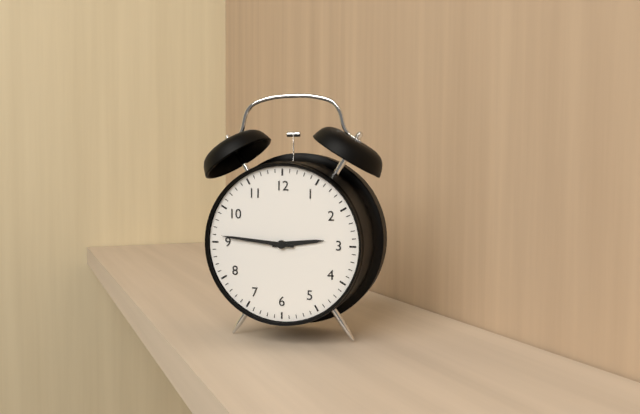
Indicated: 2 h 46 min
